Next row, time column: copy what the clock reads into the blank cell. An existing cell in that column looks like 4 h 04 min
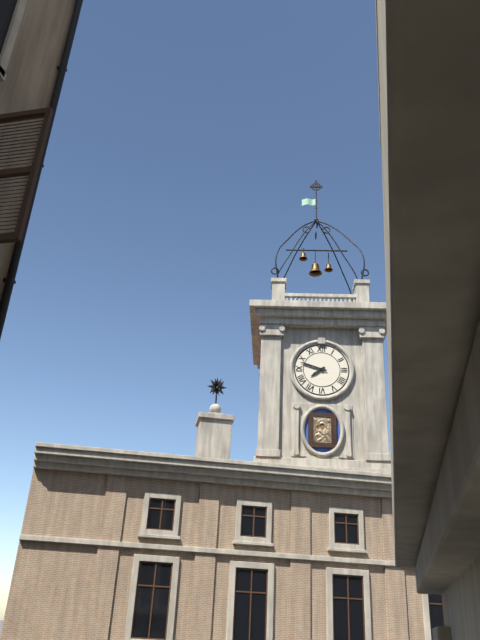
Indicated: 7 h 48 min
